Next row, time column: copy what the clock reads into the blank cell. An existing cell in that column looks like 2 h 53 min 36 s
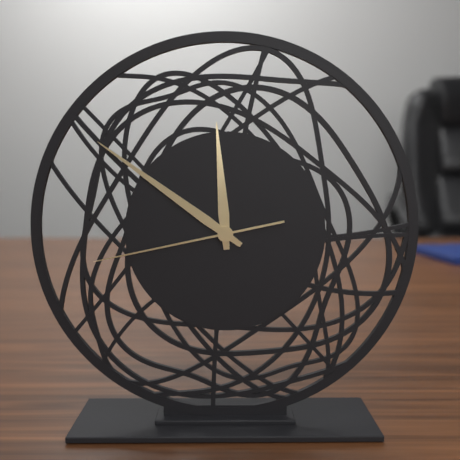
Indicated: 11 h 51 min 43 s
